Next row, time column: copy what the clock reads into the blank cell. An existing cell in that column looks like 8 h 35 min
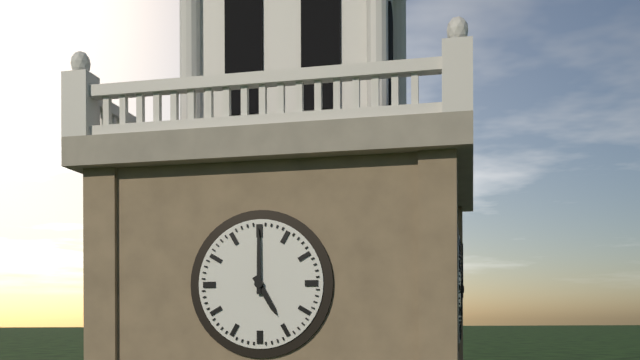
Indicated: 5 h 00 min
